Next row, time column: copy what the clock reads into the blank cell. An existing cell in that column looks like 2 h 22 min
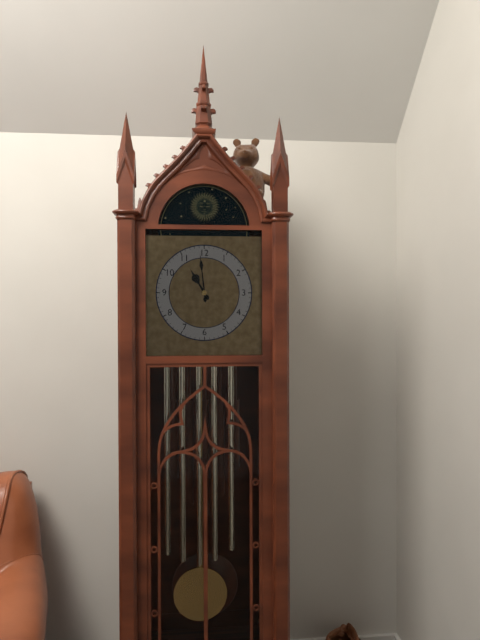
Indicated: 10 h 59 min
